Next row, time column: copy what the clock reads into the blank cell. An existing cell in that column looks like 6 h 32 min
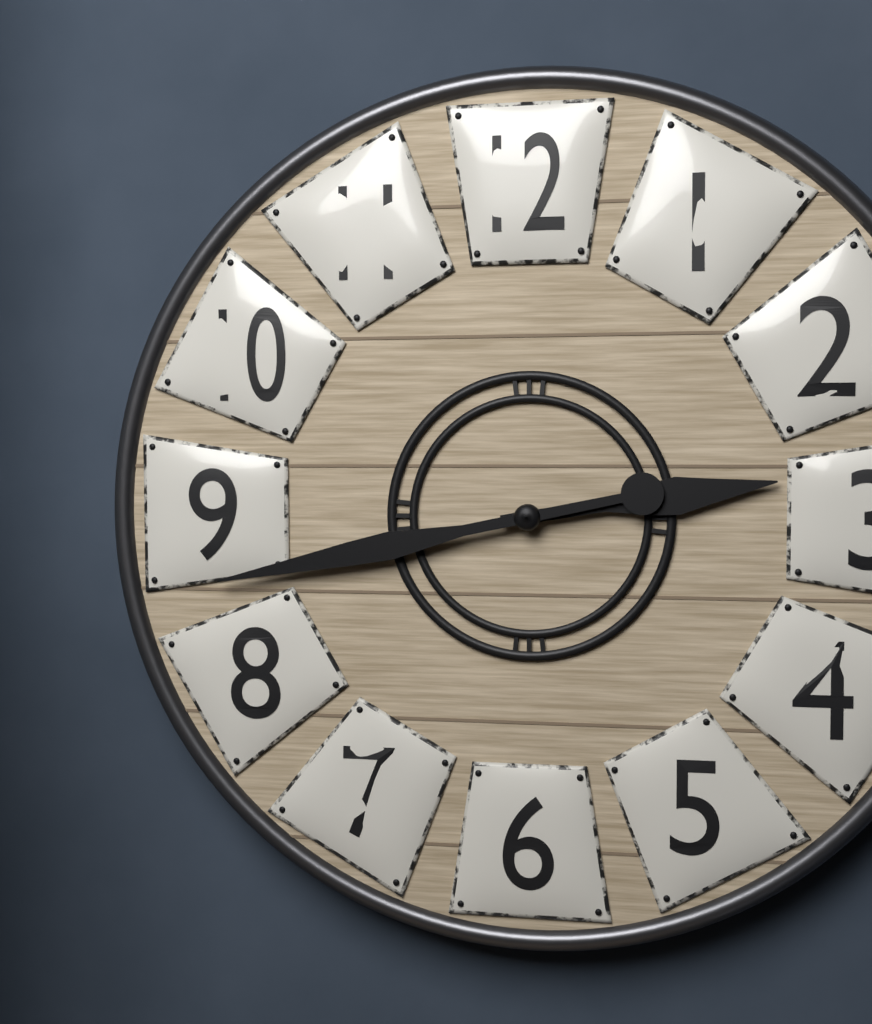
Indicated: 2 h 43 min
